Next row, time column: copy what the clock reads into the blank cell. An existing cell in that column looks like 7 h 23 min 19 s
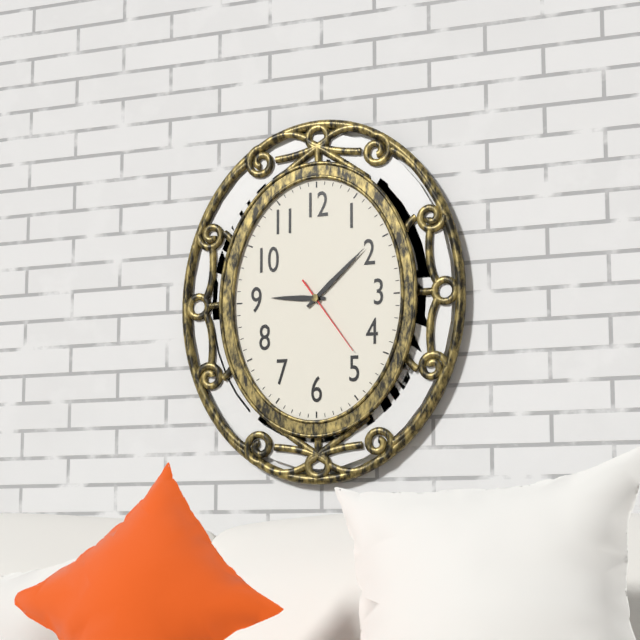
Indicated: 9 h 08 min 24 s
